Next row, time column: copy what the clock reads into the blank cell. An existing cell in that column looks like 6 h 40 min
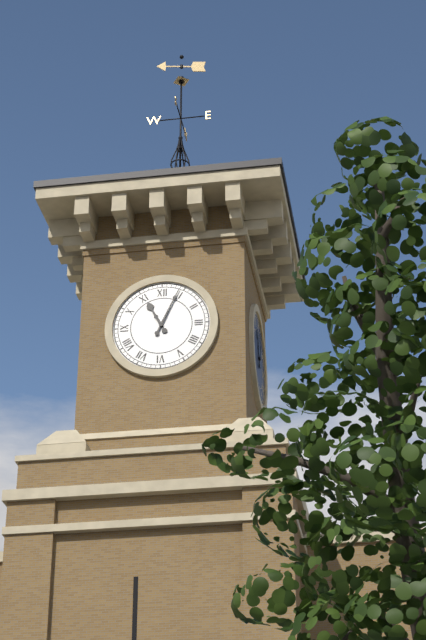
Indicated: 11 h 04 min
